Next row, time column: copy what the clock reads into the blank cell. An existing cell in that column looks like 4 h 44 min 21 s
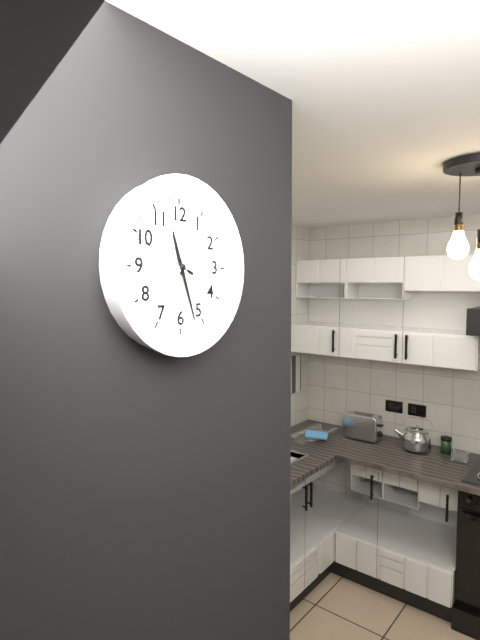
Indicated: 11 h 27 min 49 s
